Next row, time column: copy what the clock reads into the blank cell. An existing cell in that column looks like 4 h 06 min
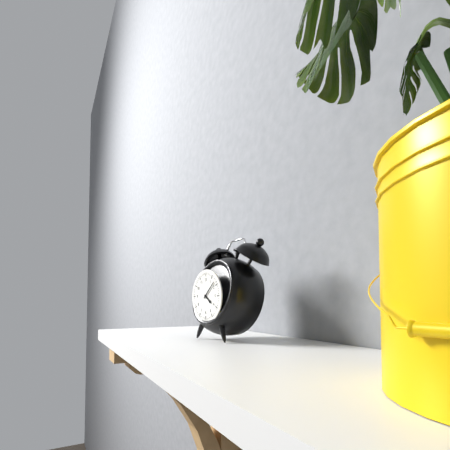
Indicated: 4 h 08 min
